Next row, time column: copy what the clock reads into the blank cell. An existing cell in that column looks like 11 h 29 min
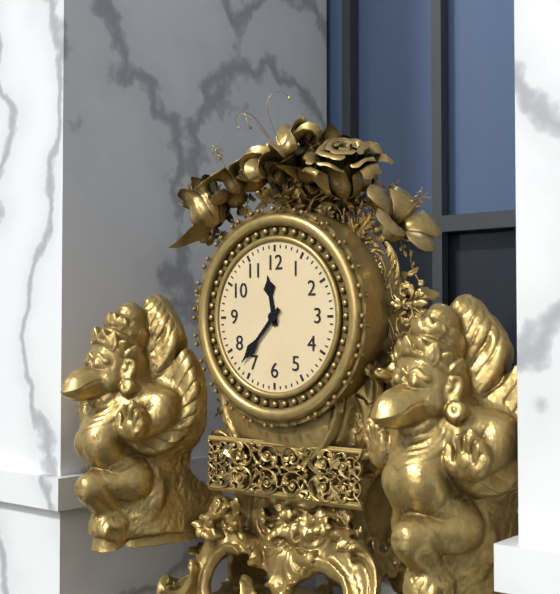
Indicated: 11 h 37 min
